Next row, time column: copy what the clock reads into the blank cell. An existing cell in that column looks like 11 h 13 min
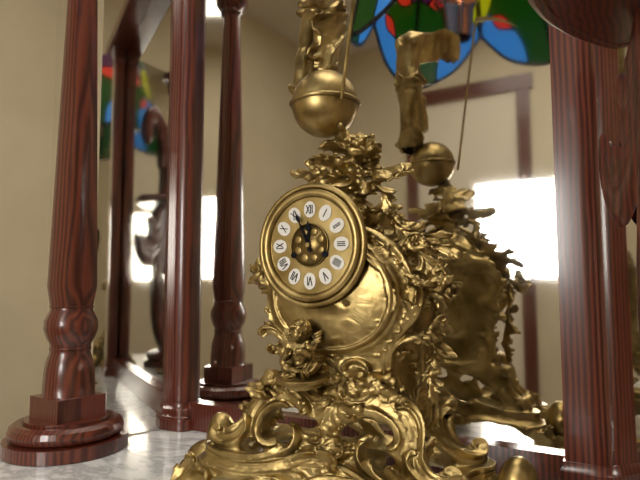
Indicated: 11 h 56 min
